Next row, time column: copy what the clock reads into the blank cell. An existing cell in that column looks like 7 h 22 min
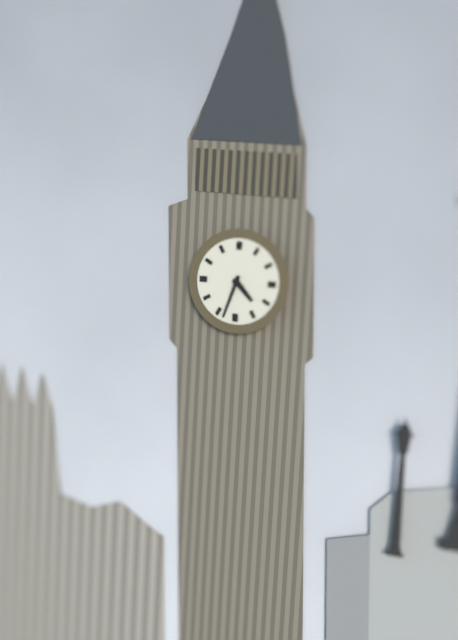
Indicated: 4 h 33 min
